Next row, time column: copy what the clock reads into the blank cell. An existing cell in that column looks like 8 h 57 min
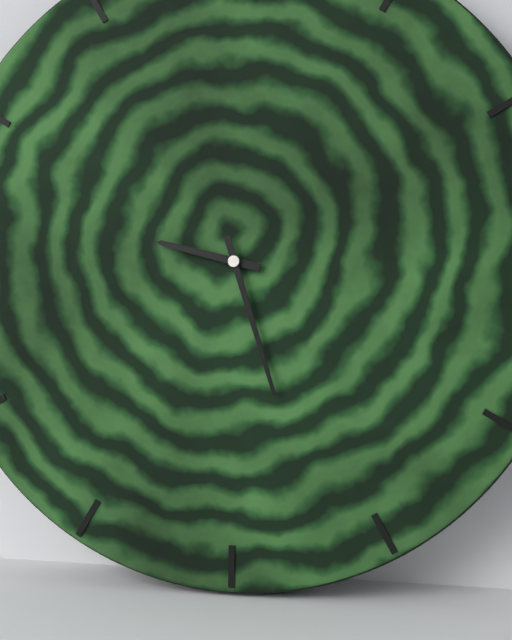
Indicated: 9 h 27 min
